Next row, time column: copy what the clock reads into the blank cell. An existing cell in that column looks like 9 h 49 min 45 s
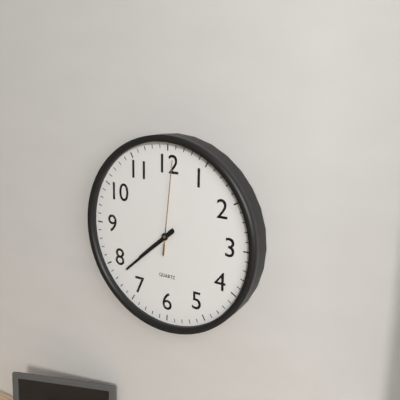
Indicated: 7 h 38 min 01 s
